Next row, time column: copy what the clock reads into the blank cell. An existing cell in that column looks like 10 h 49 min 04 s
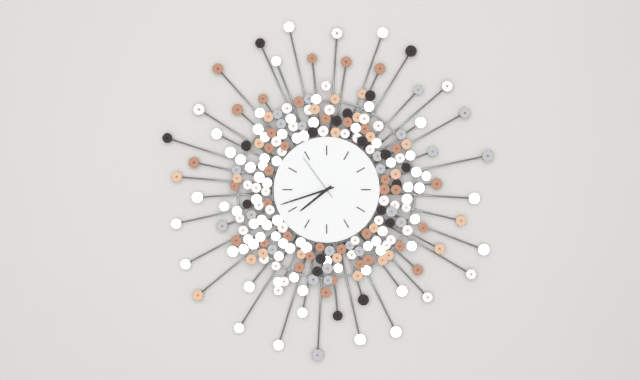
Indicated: 7 h 42 min 54 s
